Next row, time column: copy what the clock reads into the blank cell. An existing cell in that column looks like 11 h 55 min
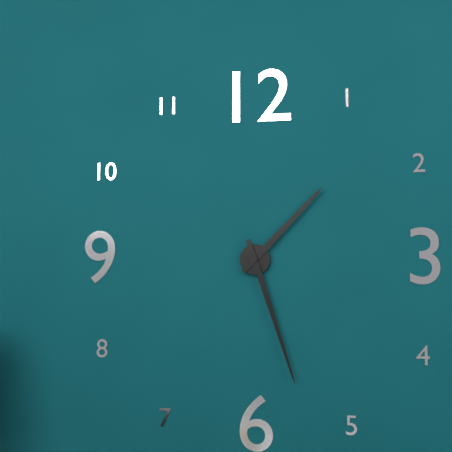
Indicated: 1 h 27 min
